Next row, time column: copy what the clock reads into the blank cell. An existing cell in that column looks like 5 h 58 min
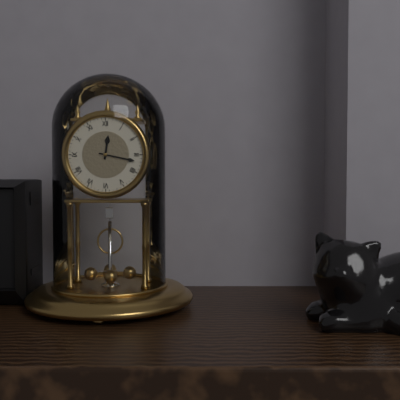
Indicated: 12 h 17 min
